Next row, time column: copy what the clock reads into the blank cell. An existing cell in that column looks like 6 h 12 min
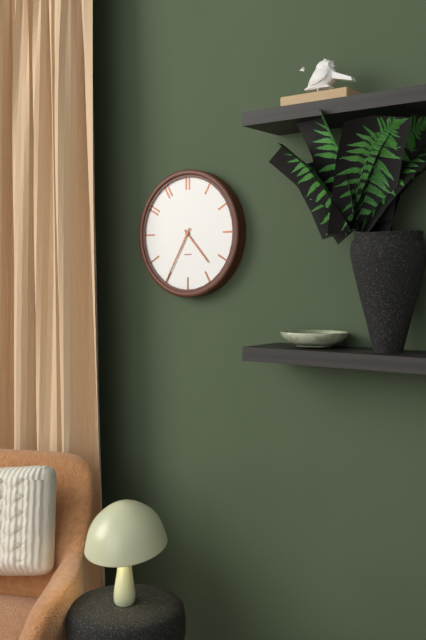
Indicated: 4 h 35 min
